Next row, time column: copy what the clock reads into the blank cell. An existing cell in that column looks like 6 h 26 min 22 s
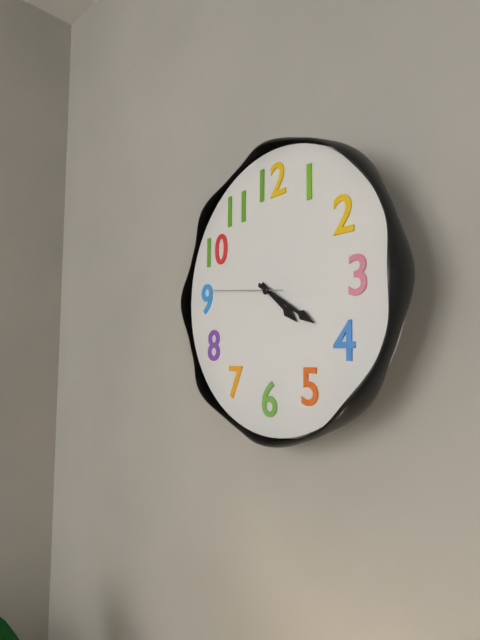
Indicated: 4 h 20 min 46 s
